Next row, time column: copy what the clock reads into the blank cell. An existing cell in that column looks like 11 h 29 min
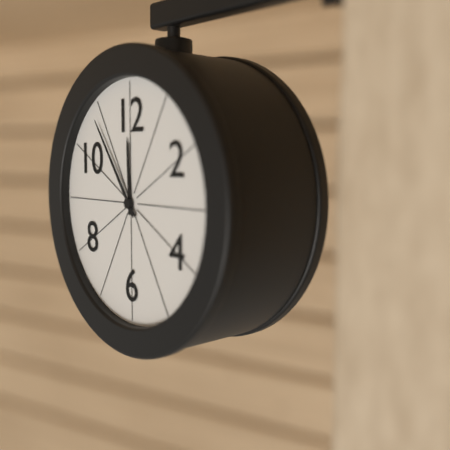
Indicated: 11 h 54 min
